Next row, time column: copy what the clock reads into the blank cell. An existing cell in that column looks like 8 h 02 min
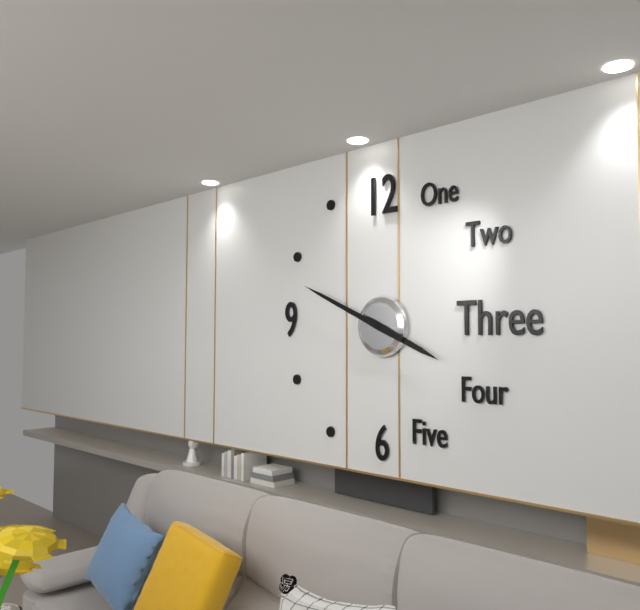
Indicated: 3 h 49 min
